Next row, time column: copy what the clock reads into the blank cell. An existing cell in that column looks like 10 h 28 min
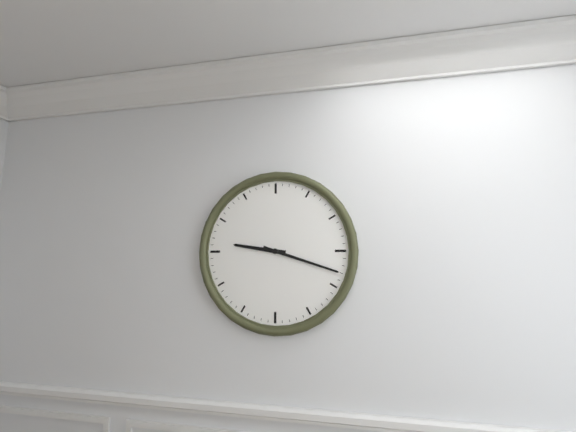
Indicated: 9 h 18 min
